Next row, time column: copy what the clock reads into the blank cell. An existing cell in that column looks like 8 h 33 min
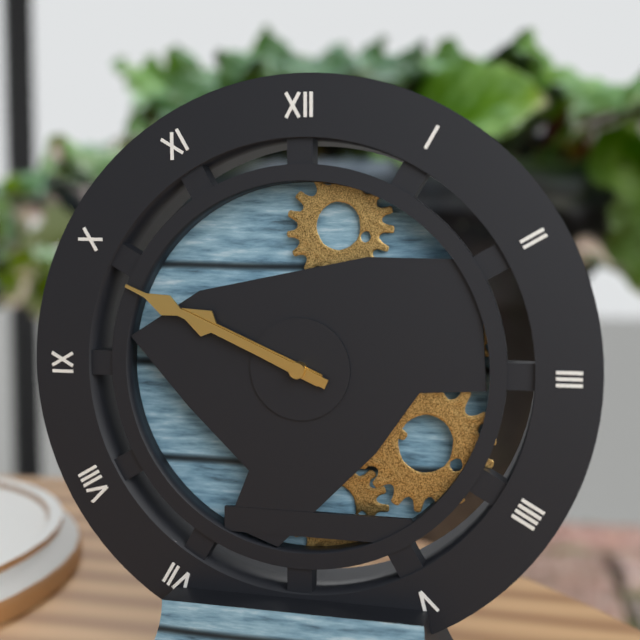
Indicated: 9 h 49 min
